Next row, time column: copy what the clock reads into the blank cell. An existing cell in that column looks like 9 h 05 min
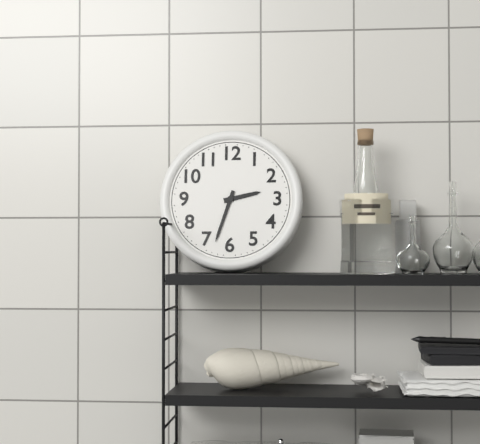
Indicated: 2 h 33 min
